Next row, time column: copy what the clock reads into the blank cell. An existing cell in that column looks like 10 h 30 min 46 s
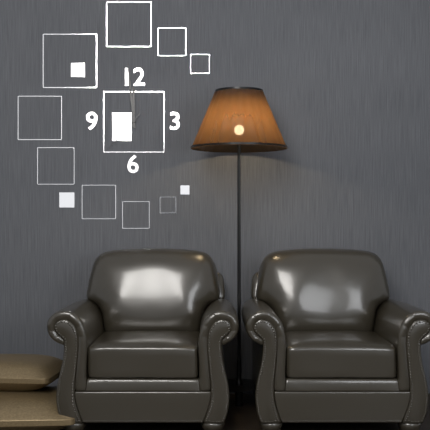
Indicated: 11 h 59 min 37 s
